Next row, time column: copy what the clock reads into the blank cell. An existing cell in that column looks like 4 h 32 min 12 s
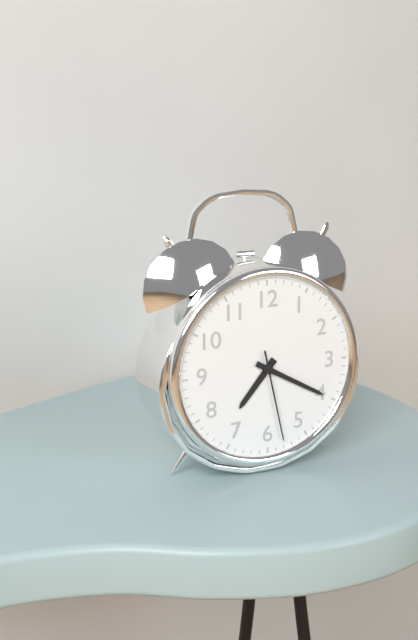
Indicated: 7 h 20 min 28 s
